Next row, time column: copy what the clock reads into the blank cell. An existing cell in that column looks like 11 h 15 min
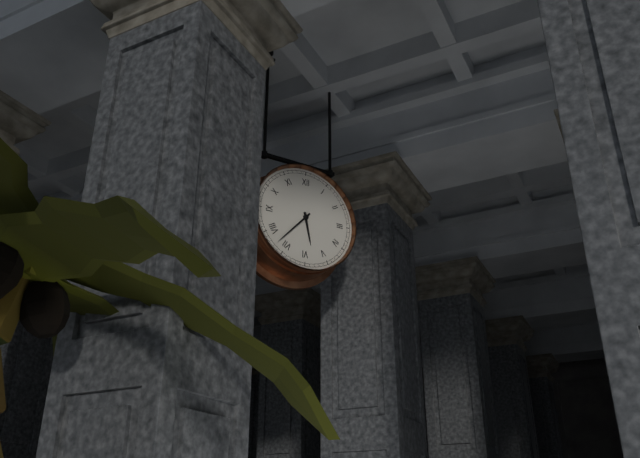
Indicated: 5 h 37 min
